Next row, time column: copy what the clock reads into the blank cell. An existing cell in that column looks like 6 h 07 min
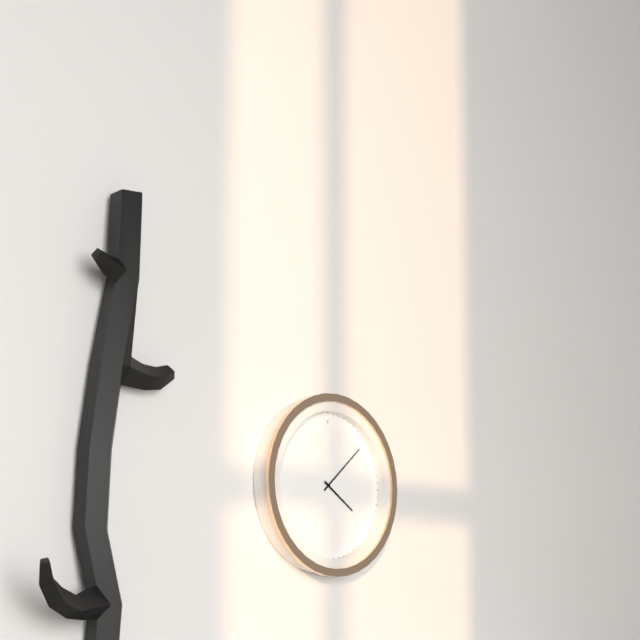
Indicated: 4 h 08 min
